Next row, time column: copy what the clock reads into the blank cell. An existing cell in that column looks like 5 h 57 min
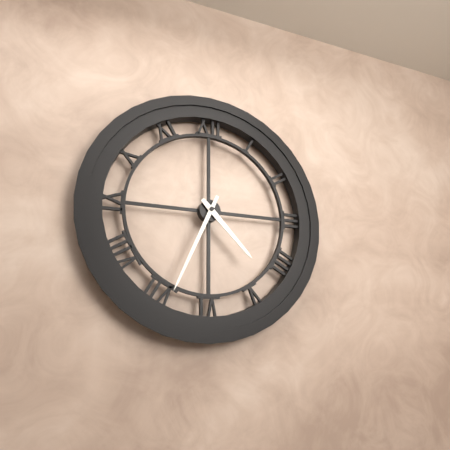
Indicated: 4 h 34 min
